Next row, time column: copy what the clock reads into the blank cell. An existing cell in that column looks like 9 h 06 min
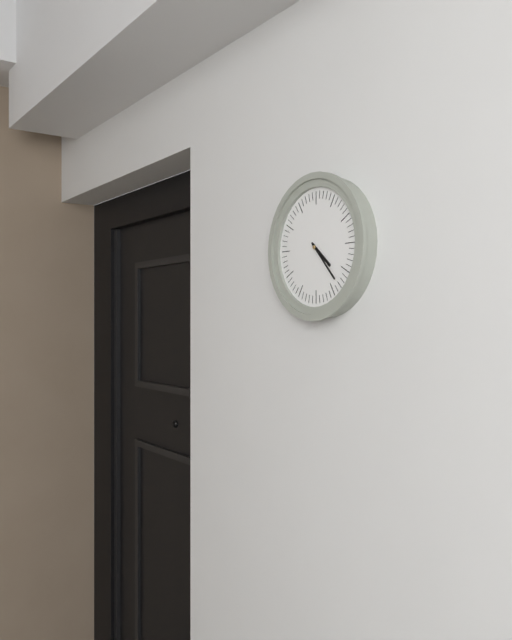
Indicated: 4 h 23 min
